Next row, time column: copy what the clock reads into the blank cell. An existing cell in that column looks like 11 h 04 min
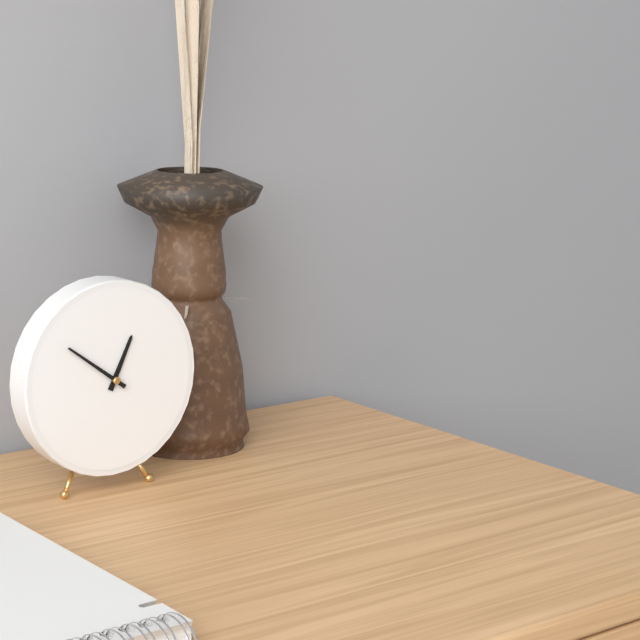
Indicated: 12 h 51 min
